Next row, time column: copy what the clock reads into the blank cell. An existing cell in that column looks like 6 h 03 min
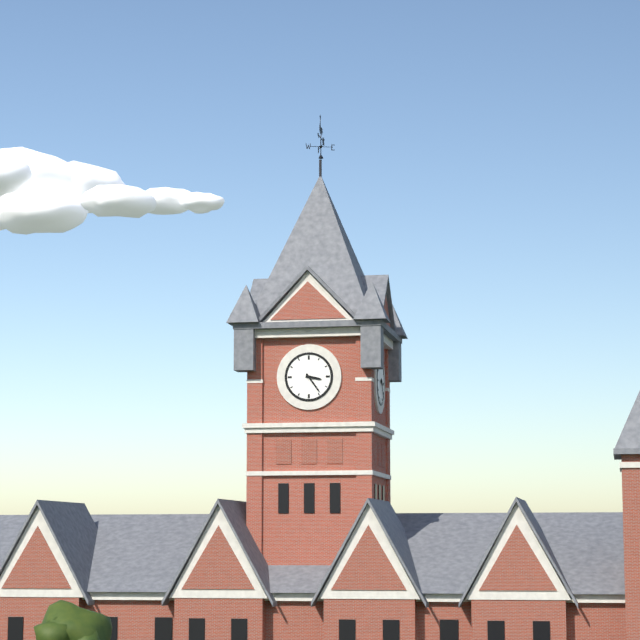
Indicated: 3 h 24 min
